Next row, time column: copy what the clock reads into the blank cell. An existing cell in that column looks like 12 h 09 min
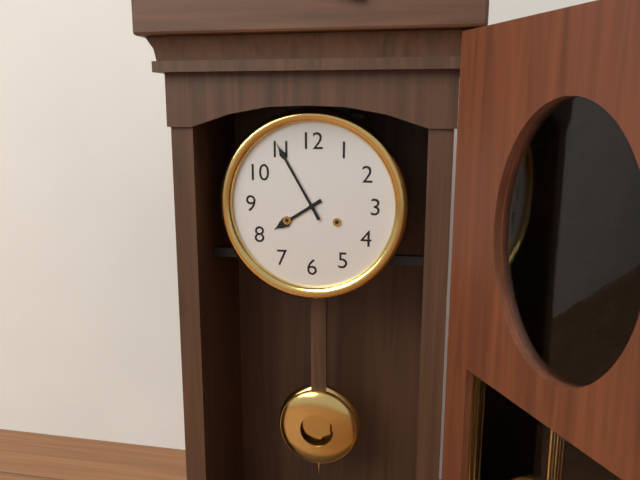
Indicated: 7 h 55 min
